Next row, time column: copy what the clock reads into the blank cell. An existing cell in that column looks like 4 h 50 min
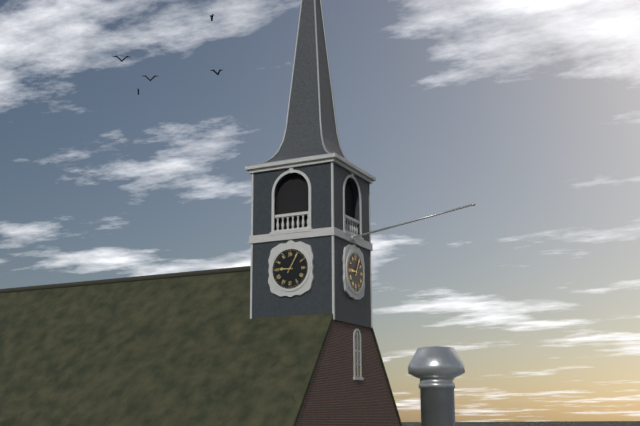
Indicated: 9 h 05 min
